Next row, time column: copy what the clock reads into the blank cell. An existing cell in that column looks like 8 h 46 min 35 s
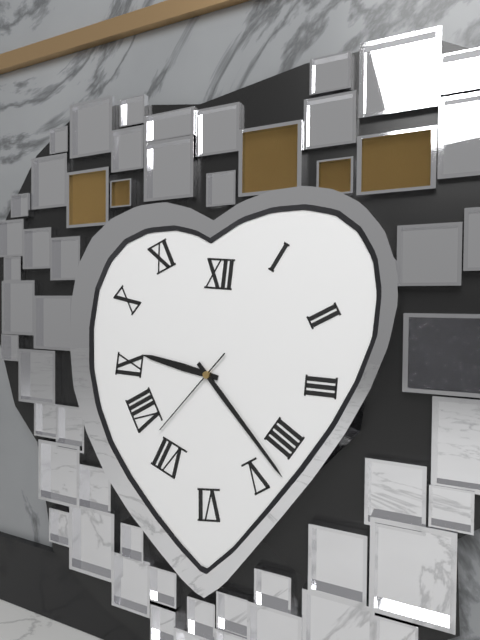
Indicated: 9 h 23 min 37 s
